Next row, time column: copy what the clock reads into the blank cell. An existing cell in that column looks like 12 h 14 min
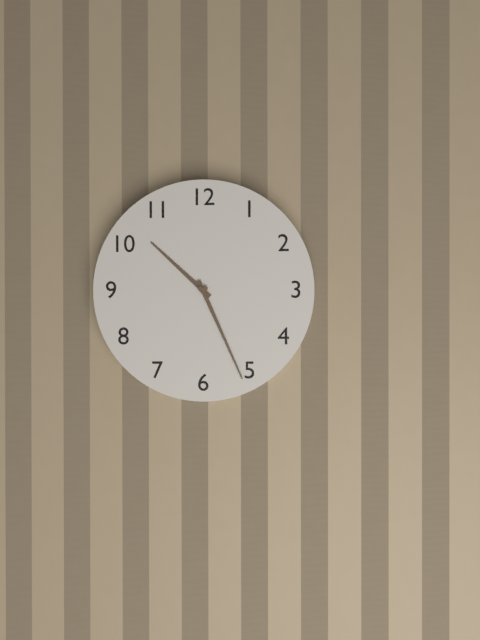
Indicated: 10 h 26 min
